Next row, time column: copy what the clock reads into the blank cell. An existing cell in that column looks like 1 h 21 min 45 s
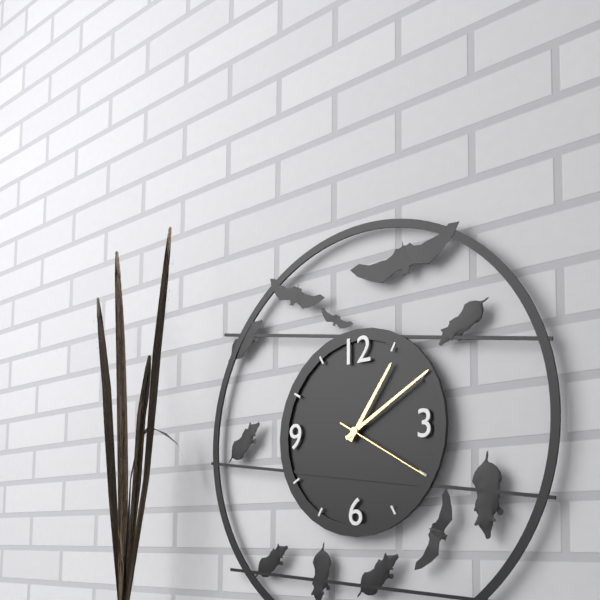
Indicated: 1 h 10 min 20 s
